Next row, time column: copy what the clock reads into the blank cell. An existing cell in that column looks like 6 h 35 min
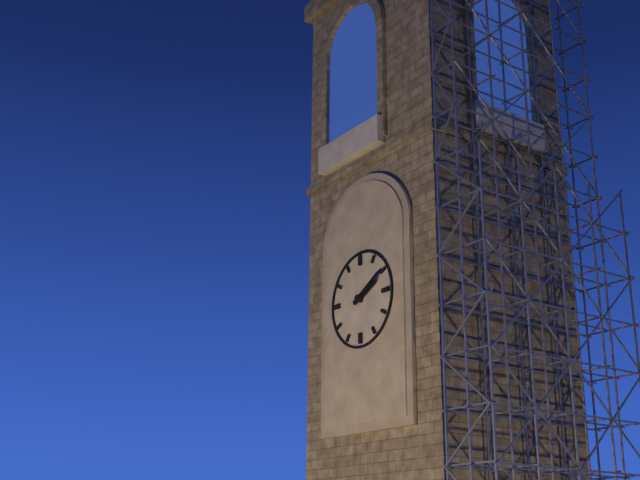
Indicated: 2 h 10 min
